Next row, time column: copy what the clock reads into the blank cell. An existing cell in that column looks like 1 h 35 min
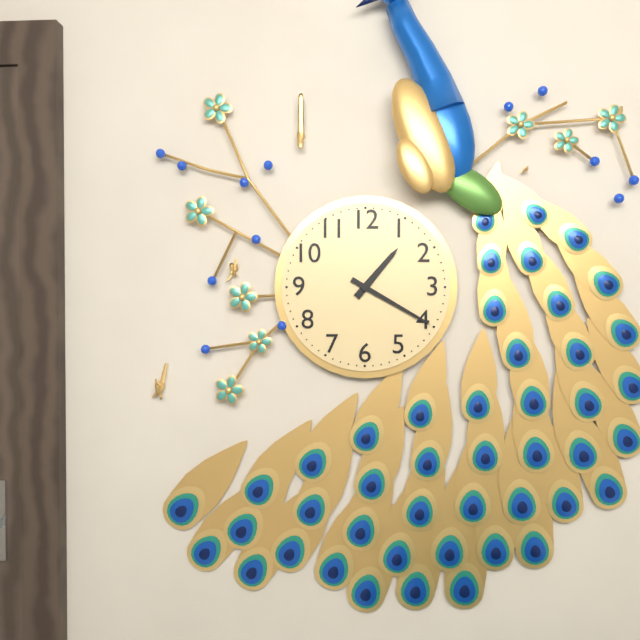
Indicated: 1 h 20 min
